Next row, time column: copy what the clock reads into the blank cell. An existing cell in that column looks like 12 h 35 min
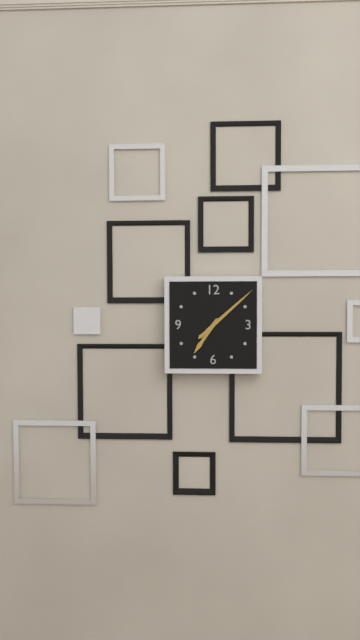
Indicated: 7 h 08 min
